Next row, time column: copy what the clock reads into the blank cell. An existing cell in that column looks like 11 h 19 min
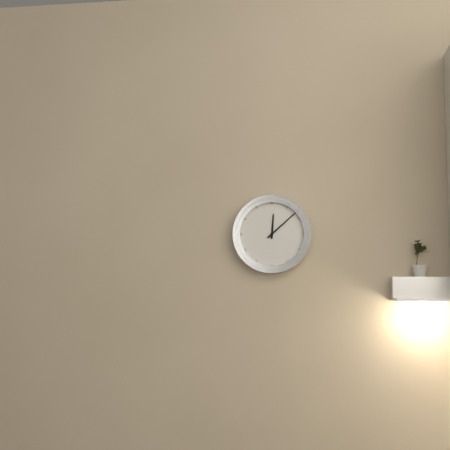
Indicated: 12 h 08 min
